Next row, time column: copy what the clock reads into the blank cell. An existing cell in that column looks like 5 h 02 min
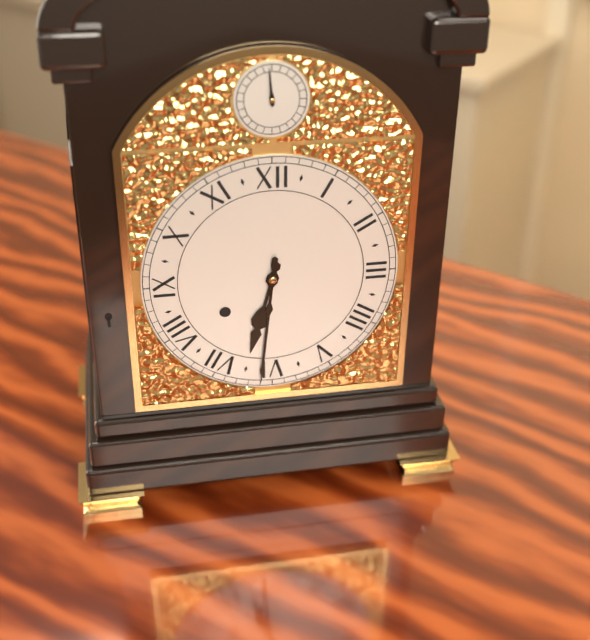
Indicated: 6 h 31 min
